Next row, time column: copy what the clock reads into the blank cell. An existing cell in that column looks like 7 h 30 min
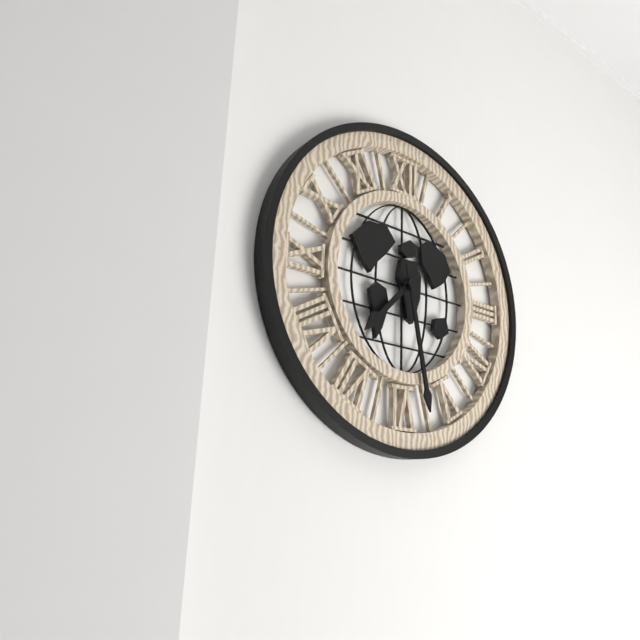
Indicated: 7 h 28 min
